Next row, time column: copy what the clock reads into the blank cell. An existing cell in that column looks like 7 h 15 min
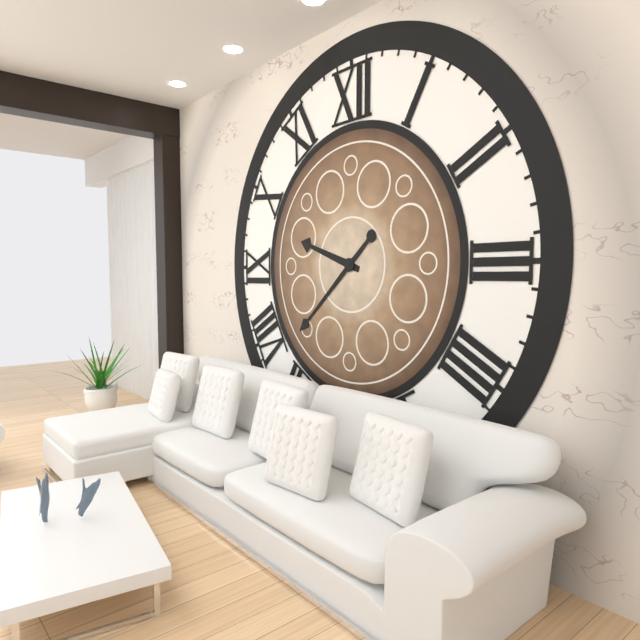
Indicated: 9 h 38 min
